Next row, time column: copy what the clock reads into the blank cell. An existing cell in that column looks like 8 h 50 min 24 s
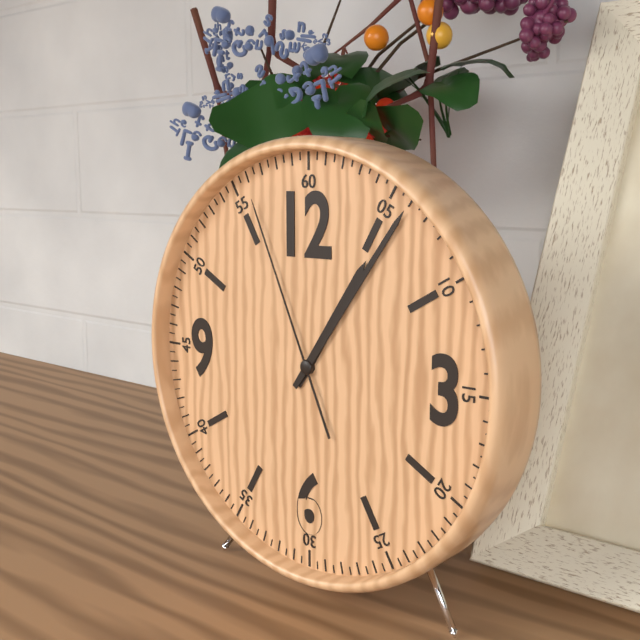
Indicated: 1 h 06 min 56 s
